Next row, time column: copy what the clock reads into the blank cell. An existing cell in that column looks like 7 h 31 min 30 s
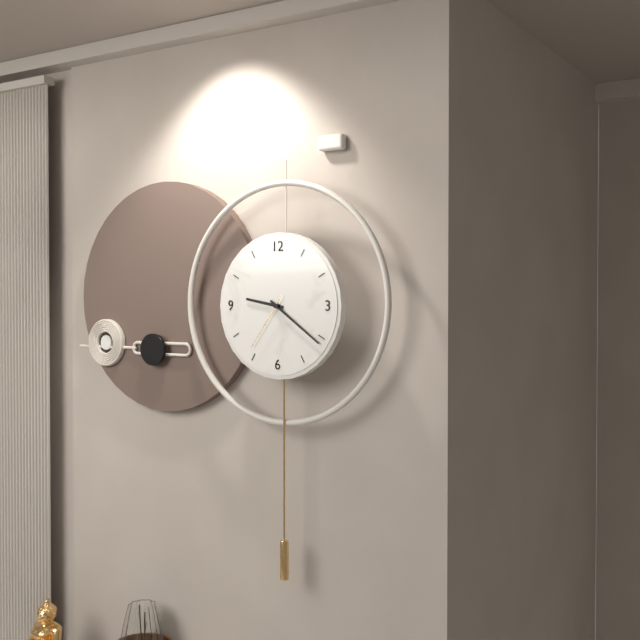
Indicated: 9 h 21 min 36 s
